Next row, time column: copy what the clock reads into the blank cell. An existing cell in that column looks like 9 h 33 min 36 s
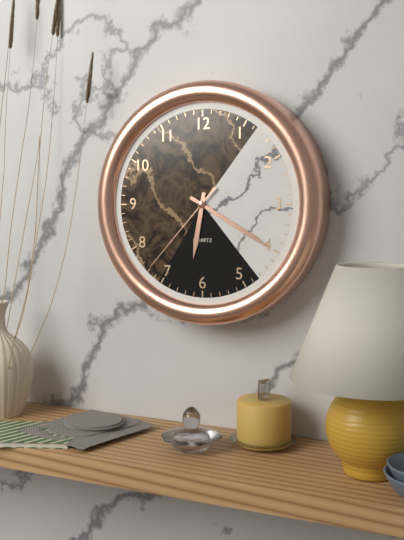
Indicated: 6 h 20 min 37 s
